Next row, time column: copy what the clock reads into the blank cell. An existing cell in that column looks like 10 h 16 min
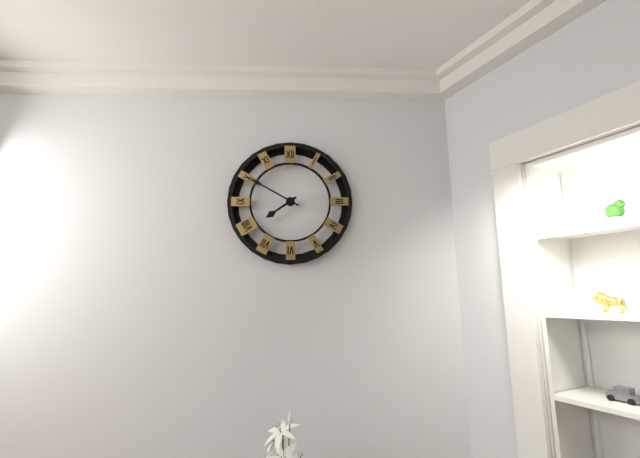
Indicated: 7 h 50 min
